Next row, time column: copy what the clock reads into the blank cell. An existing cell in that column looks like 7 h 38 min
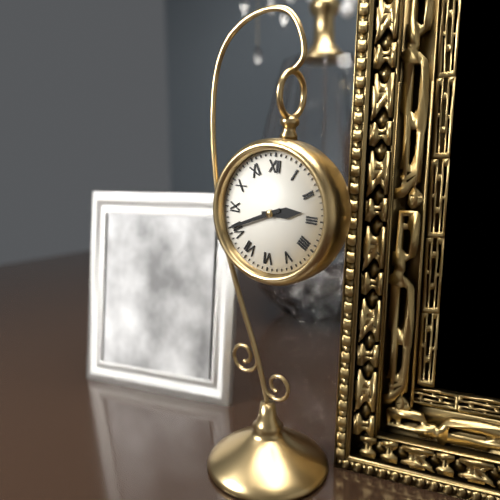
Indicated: 2 h 41 min
